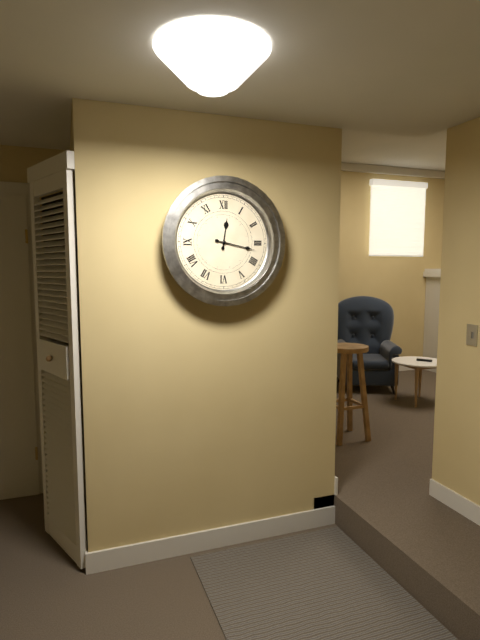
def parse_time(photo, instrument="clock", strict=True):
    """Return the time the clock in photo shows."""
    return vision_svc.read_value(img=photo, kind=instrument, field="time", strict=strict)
12:17
